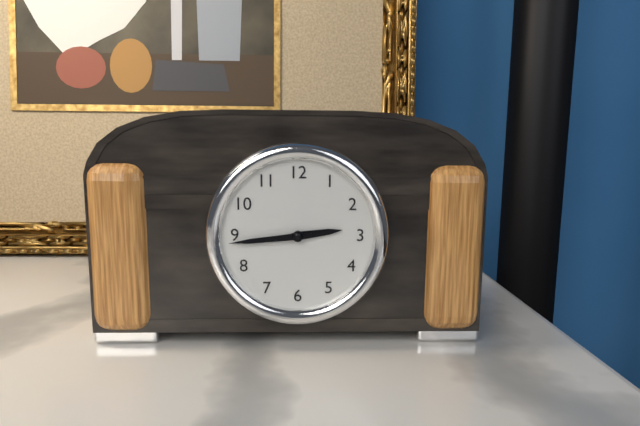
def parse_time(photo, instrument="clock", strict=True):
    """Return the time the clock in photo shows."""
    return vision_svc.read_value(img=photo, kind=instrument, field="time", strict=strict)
2:44
